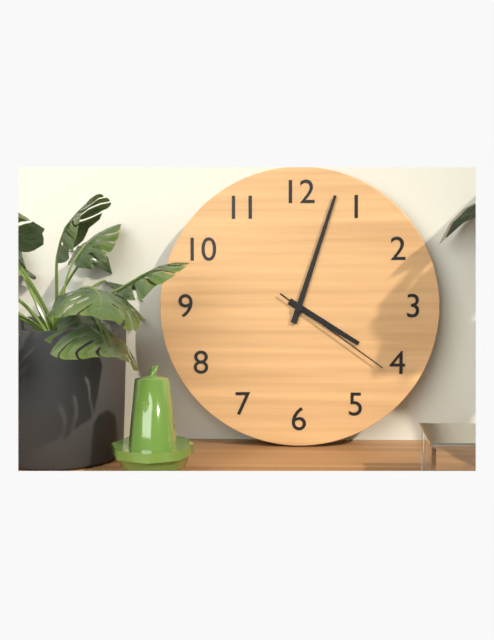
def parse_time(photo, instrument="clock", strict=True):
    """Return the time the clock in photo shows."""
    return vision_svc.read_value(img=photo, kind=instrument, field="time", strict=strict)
4:03:21
